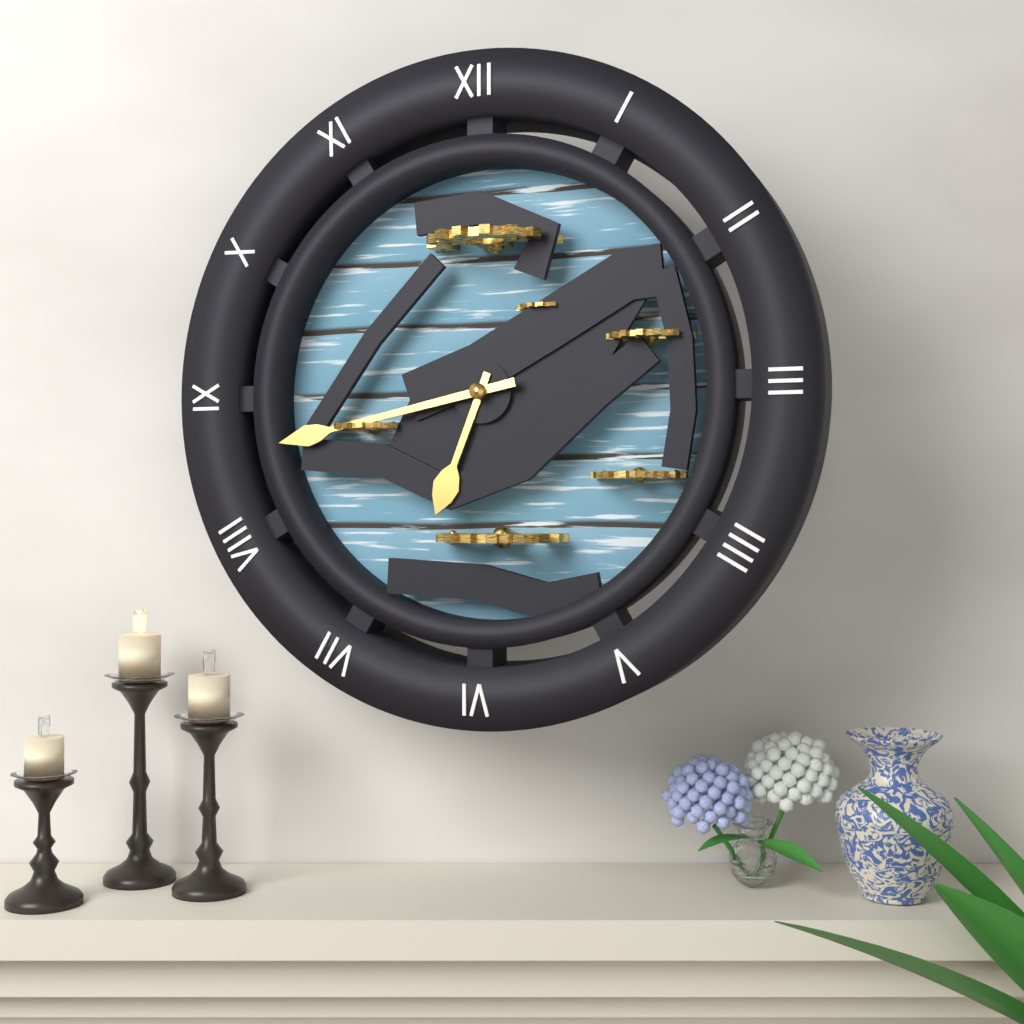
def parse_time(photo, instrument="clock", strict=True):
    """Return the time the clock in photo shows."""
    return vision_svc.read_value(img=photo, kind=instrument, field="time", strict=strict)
6:43
